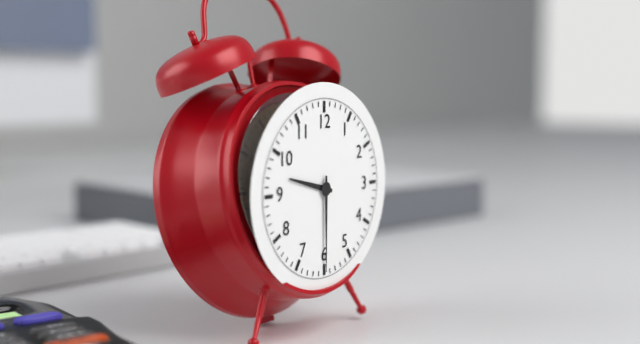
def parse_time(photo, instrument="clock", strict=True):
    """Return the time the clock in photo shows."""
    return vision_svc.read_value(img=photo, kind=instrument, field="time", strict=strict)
9:30
